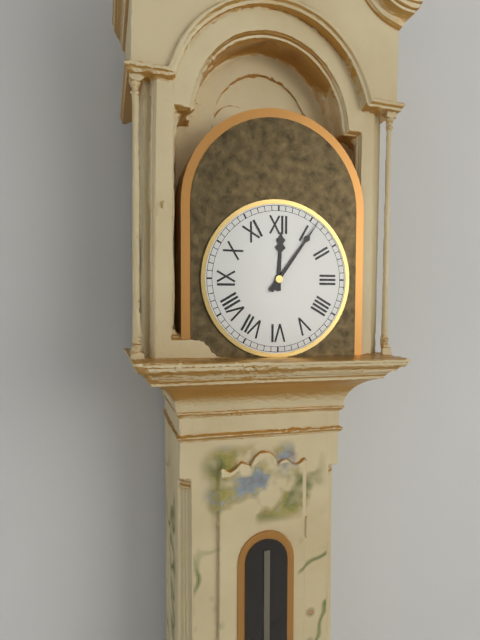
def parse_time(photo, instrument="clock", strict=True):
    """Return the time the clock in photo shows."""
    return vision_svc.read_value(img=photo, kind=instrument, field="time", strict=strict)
12:06
